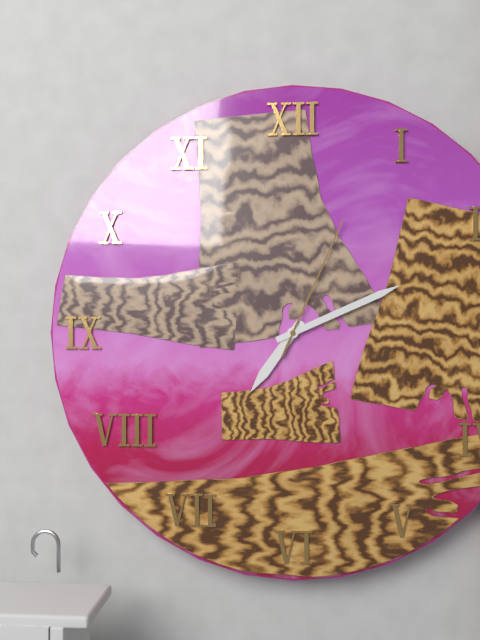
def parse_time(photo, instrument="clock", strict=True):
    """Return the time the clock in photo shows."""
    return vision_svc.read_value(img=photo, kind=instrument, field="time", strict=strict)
7:11:04
